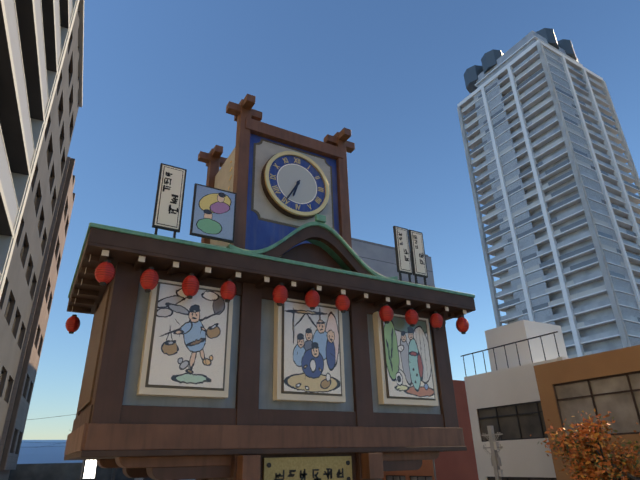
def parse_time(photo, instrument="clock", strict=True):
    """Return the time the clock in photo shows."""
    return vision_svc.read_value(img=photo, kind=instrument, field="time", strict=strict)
6:35
